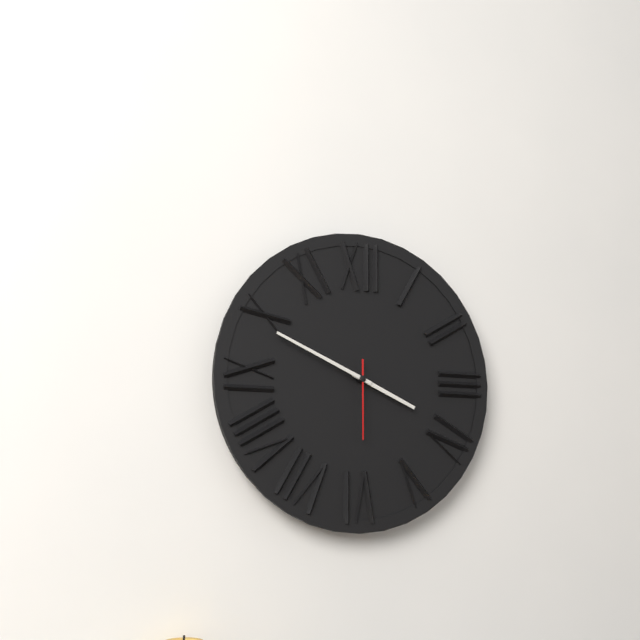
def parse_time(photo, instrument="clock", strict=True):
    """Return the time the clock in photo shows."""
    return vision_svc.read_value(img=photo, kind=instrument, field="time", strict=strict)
3:49:30
